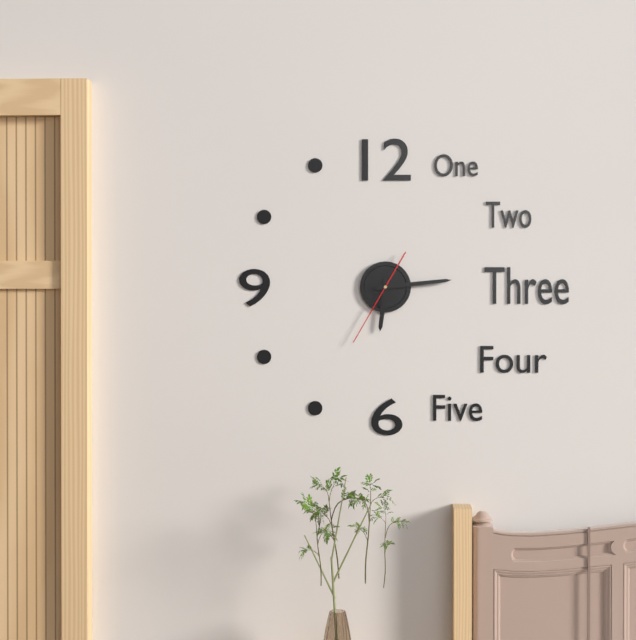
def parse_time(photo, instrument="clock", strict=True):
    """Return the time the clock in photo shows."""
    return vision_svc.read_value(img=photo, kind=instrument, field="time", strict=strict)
6:14:35
